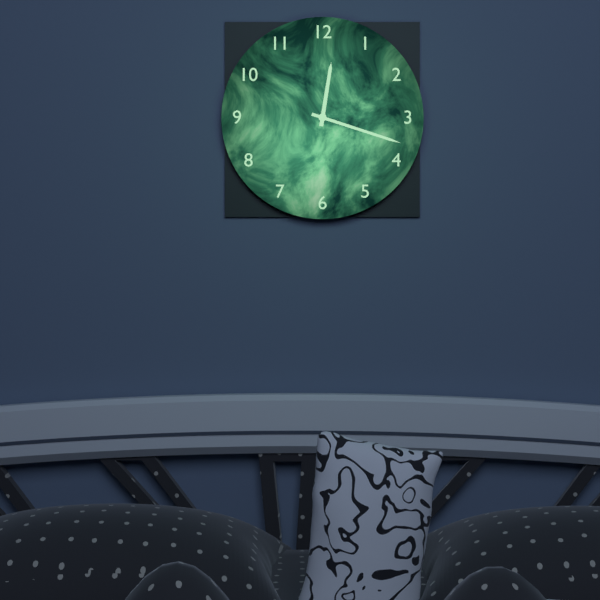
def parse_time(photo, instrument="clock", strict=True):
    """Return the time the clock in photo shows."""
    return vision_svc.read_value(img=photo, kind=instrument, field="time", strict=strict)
12:18
